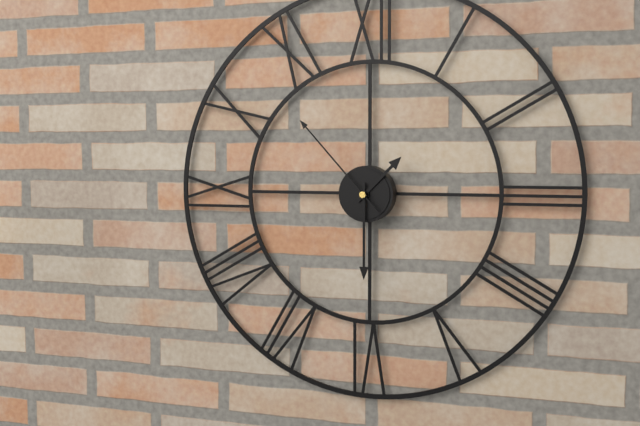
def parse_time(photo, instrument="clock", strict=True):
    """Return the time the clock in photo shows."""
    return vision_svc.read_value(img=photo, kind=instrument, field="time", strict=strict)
1:30:53
